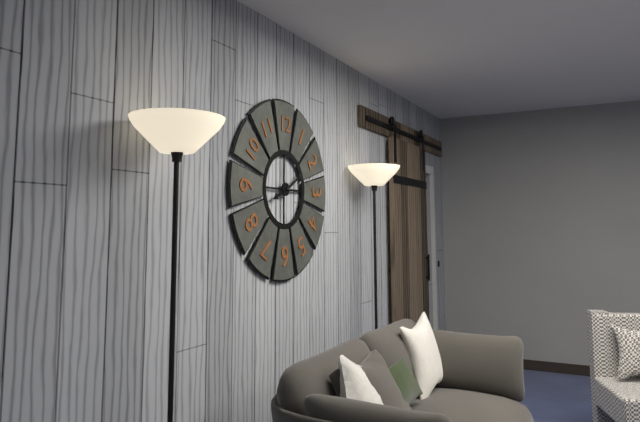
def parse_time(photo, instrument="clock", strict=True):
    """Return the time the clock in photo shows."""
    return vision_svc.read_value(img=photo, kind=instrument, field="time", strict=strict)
8:10
